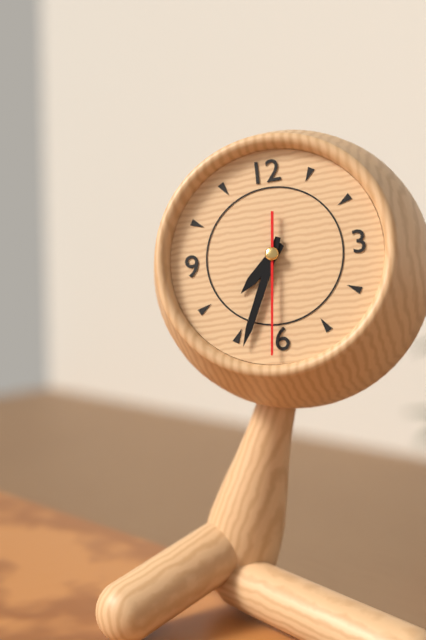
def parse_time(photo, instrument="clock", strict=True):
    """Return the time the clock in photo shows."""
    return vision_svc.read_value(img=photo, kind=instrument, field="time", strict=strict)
7:34:31
